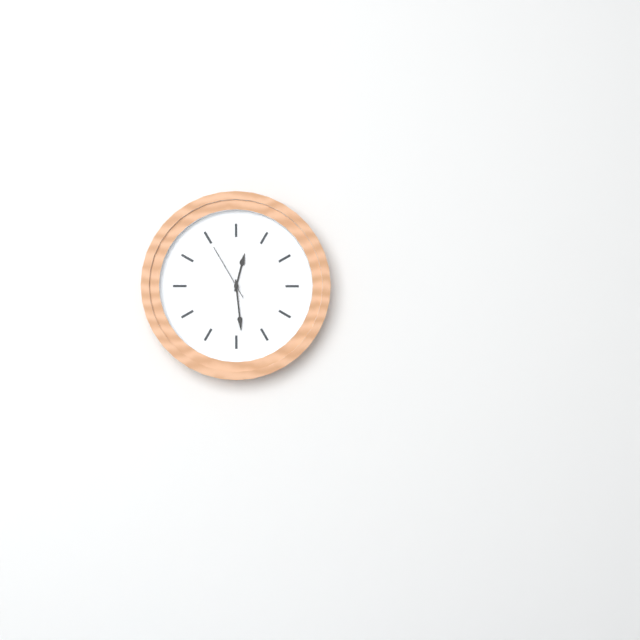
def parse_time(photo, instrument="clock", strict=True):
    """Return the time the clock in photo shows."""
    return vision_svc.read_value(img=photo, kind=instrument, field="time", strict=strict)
12:29:55
